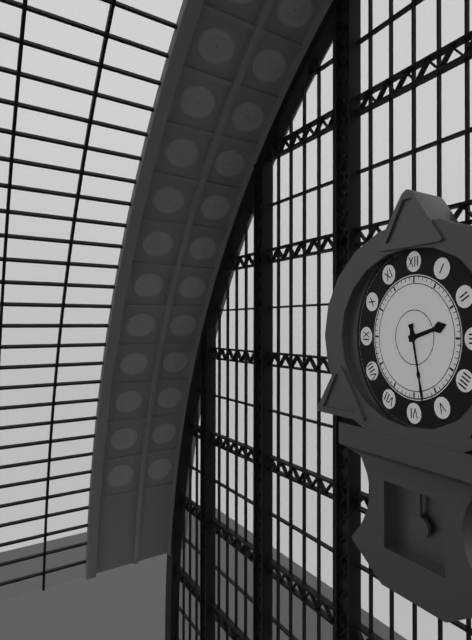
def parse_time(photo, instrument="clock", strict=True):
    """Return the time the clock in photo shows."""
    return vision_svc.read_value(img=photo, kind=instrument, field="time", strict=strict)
2:28
